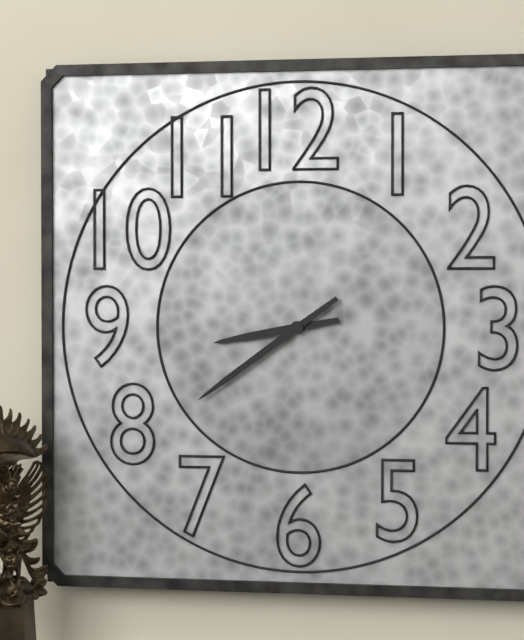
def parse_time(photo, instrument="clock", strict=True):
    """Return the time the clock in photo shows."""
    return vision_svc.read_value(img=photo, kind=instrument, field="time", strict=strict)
8:39
